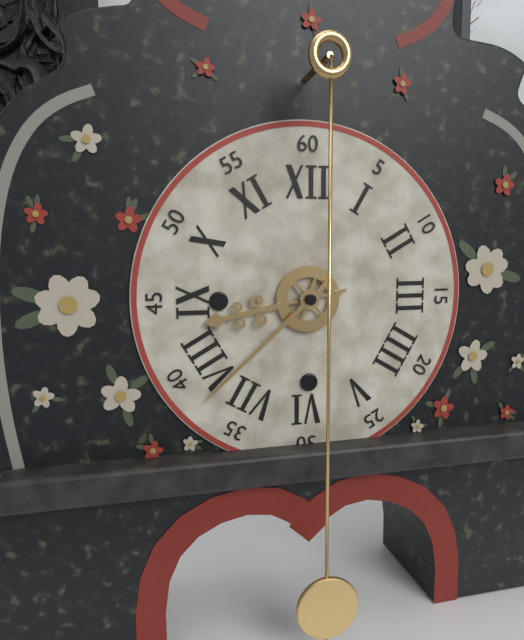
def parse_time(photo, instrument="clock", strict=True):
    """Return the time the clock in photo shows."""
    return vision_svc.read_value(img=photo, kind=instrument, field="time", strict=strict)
8:38
